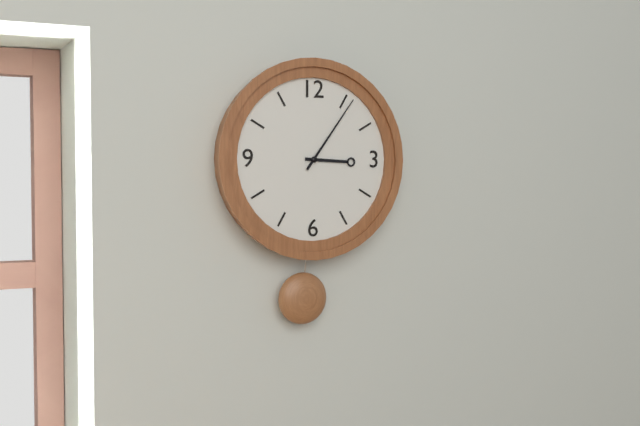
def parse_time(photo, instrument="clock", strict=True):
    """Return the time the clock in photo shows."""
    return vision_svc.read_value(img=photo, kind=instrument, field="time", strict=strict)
3:06
